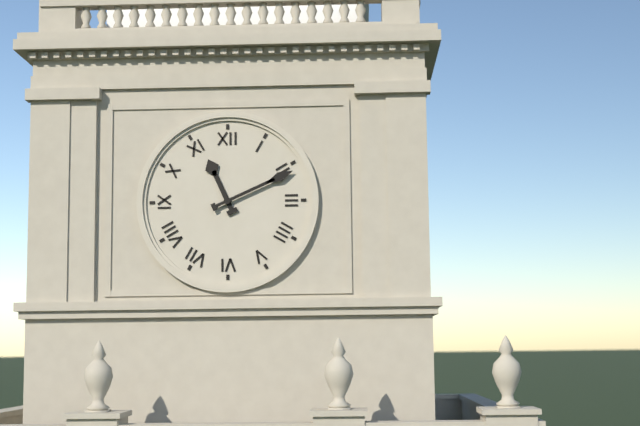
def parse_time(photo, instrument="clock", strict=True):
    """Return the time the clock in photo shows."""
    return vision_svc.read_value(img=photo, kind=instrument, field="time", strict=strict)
11:11
